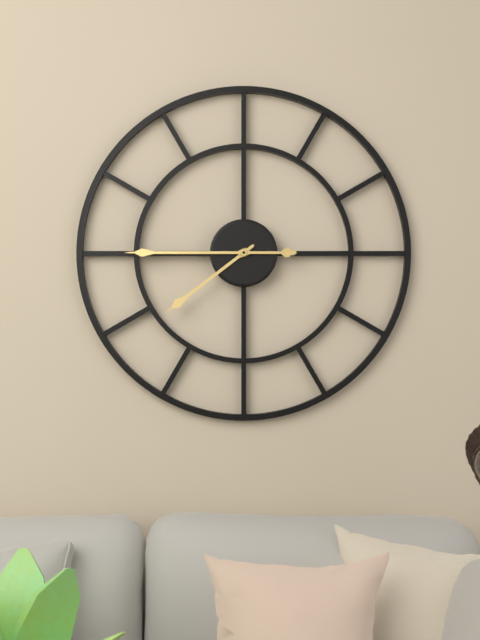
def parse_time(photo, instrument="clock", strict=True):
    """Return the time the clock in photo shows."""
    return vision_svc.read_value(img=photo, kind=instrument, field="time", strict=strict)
7:45
